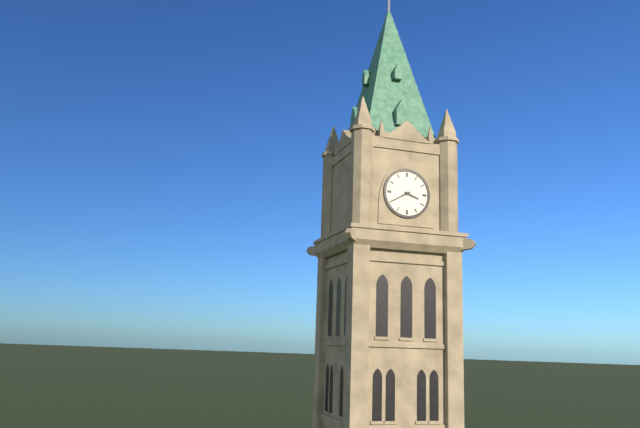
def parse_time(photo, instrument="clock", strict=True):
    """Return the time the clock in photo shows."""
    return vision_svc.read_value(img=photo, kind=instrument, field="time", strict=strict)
3:40
